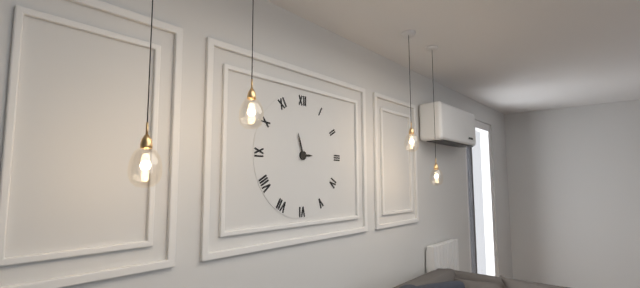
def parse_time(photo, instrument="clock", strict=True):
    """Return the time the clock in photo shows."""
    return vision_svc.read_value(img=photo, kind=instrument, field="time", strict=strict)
2:57
